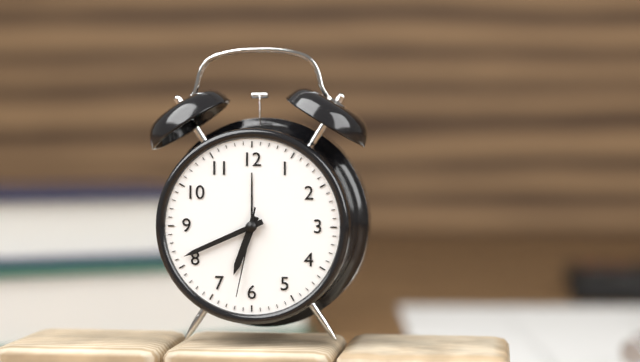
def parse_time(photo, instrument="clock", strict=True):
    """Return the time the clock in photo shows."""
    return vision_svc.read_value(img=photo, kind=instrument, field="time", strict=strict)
6:41:32
